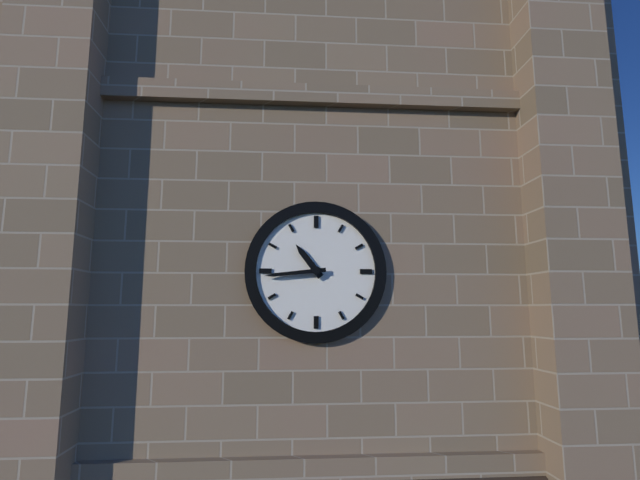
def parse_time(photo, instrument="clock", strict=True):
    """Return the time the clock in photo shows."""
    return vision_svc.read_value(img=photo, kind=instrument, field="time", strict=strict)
10:44
